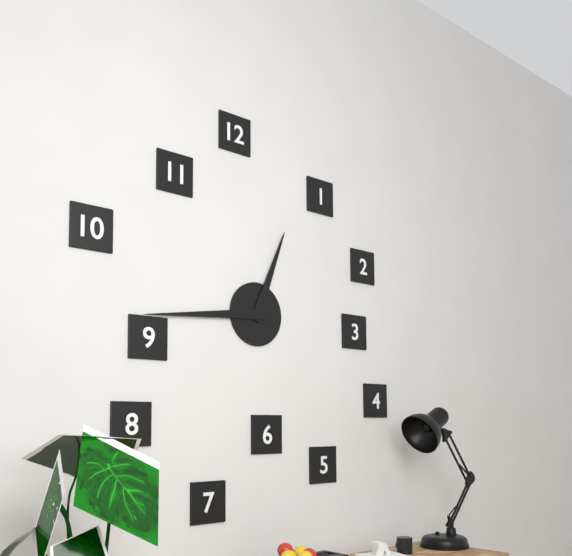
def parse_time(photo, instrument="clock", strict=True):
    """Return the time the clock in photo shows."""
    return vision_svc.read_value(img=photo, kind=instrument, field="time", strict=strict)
12:44
